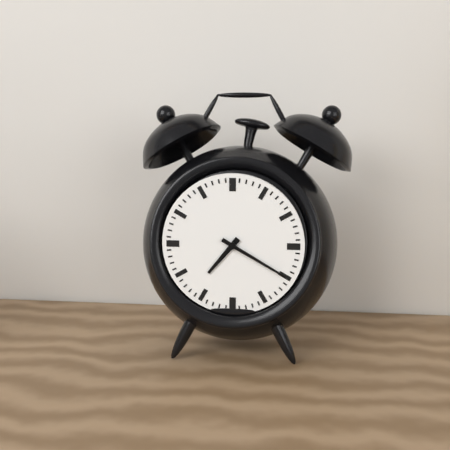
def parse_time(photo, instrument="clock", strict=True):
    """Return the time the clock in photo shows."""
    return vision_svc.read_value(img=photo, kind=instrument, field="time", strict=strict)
7:20
